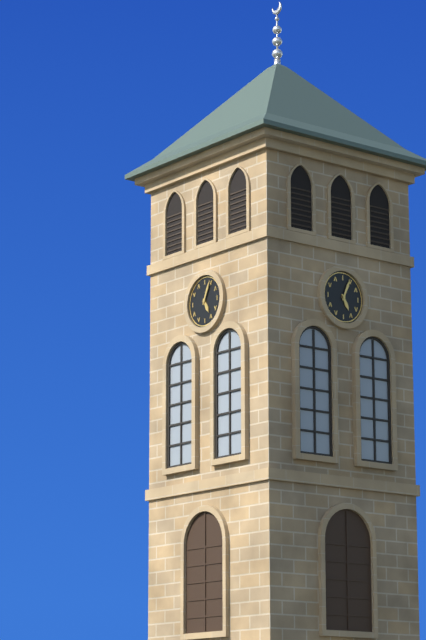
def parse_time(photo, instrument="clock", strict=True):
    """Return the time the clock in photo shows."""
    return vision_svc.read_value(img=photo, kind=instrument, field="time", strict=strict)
5:04
